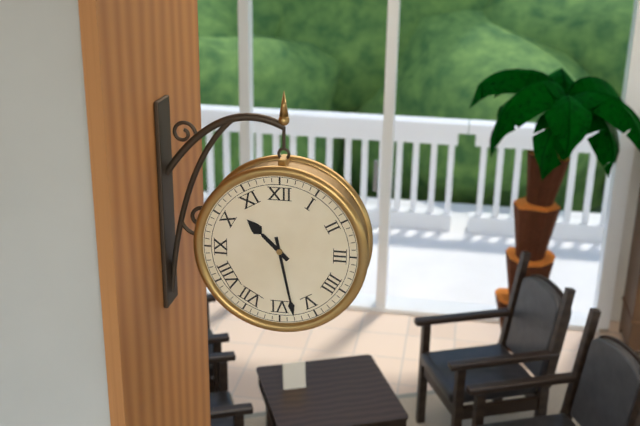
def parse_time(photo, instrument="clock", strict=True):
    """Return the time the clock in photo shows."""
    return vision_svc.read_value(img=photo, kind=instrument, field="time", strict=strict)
10:28
